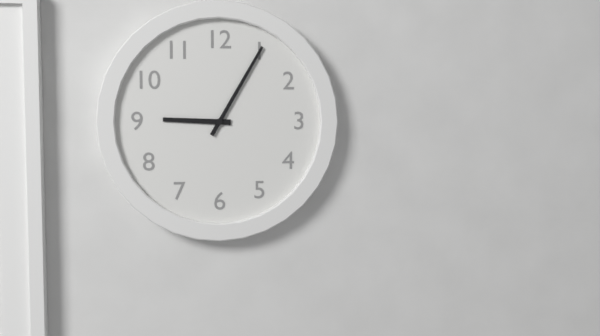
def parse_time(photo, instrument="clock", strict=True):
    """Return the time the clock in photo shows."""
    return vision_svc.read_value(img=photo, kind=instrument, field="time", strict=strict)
9:05
